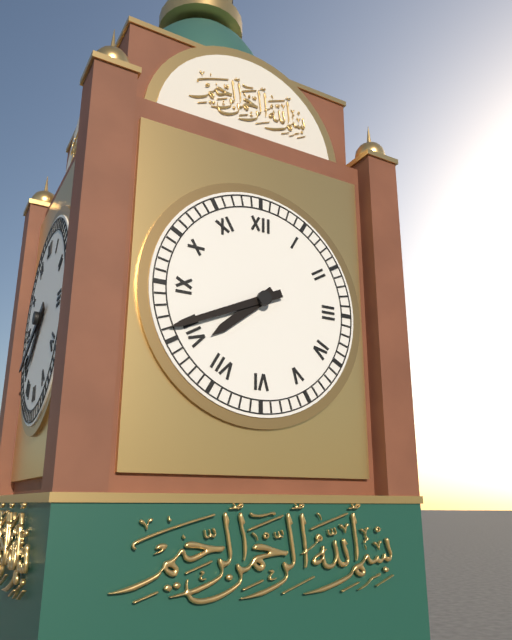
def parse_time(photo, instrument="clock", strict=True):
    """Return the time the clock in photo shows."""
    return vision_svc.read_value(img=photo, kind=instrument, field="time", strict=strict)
7:41
